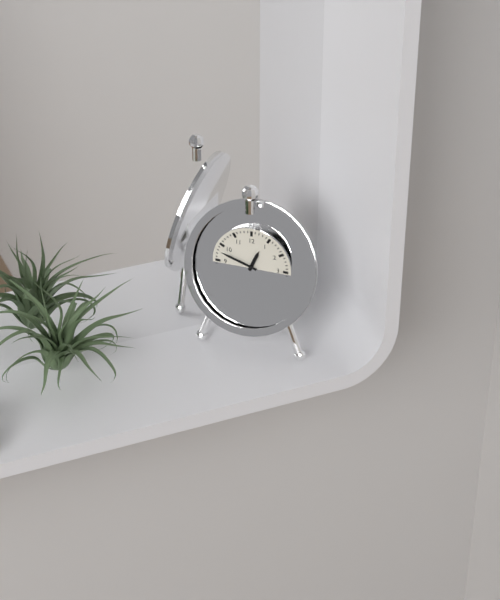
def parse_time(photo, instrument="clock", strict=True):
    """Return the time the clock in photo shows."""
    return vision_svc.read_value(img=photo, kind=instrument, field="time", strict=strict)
12:48
